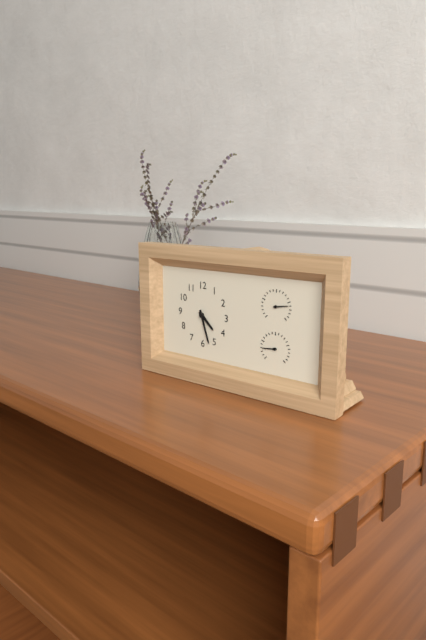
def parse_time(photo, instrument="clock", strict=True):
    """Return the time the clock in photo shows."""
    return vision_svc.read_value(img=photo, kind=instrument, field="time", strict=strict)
4:27
